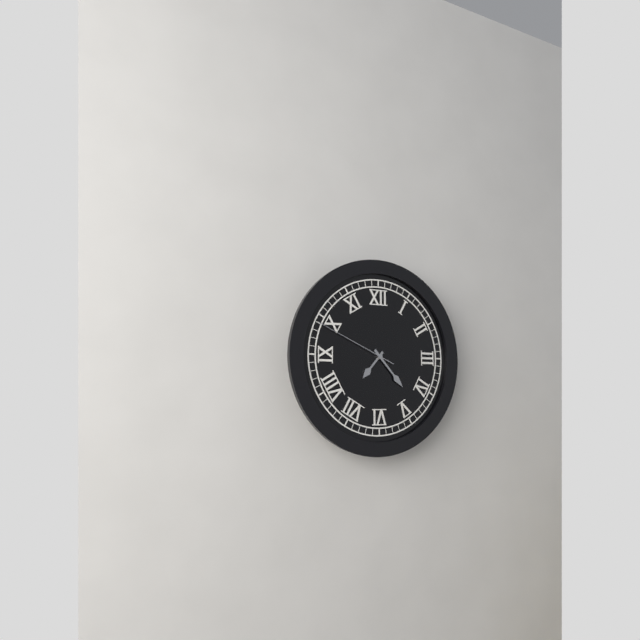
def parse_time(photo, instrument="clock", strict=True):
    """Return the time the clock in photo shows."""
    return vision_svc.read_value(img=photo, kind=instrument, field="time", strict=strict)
7:23:49
